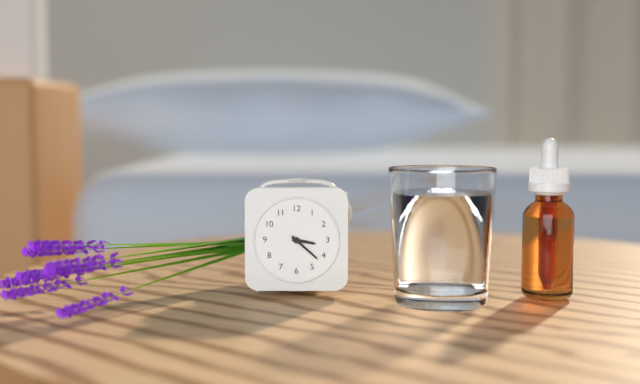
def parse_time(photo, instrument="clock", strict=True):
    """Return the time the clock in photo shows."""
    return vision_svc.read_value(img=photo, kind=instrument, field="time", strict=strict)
3:22
